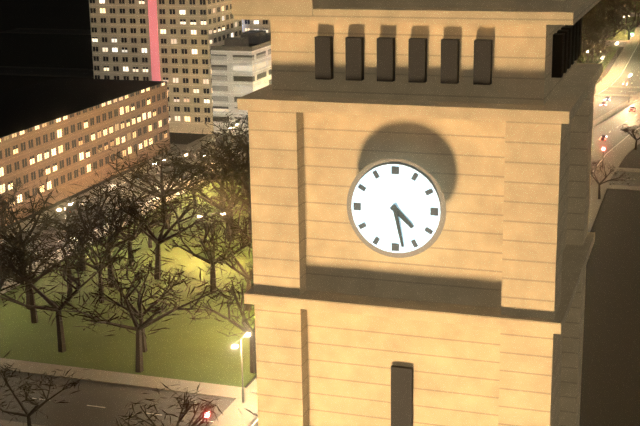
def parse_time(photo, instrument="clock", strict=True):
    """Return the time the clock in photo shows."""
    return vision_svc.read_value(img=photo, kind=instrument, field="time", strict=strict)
4:28
